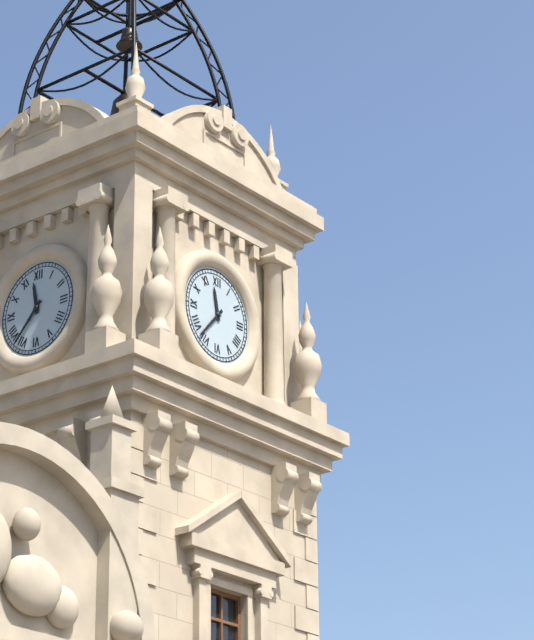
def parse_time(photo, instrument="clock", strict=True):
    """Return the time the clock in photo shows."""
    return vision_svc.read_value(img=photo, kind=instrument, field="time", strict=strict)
11:37
